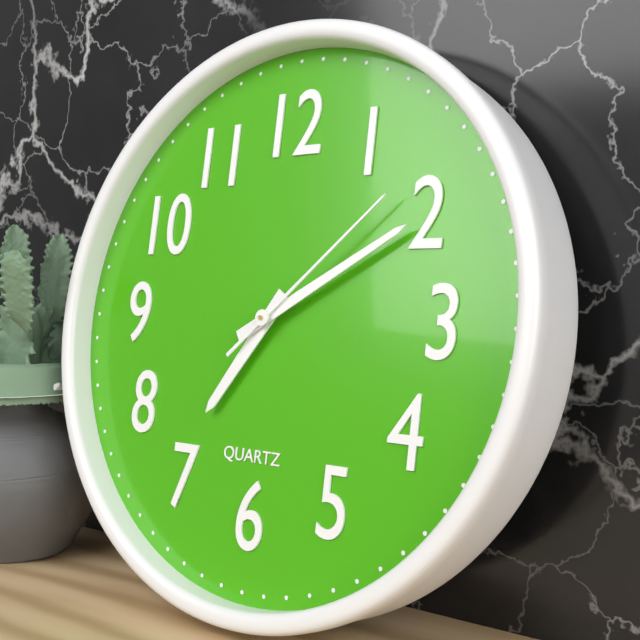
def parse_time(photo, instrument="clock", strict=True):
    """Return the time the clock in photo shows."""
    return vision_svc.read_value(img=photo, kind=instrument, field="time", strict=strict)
7:10:08
